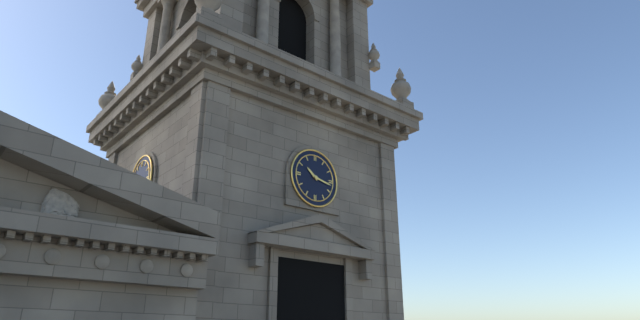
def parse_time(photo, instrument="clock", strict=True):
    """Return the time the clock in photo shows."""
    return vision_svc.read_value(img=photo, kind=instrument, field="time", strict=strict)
10:17
